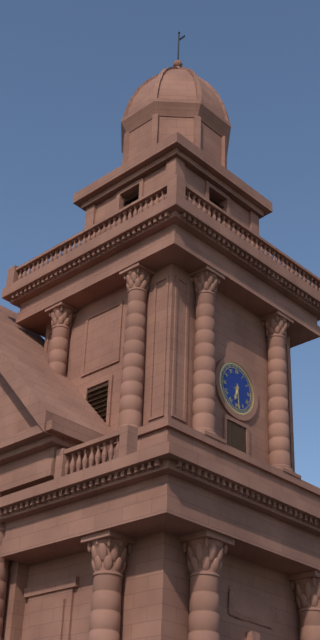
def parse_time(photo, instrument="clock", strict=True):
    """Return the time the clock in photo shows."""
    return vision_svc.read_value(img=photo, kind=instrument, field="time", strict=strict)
6:29
